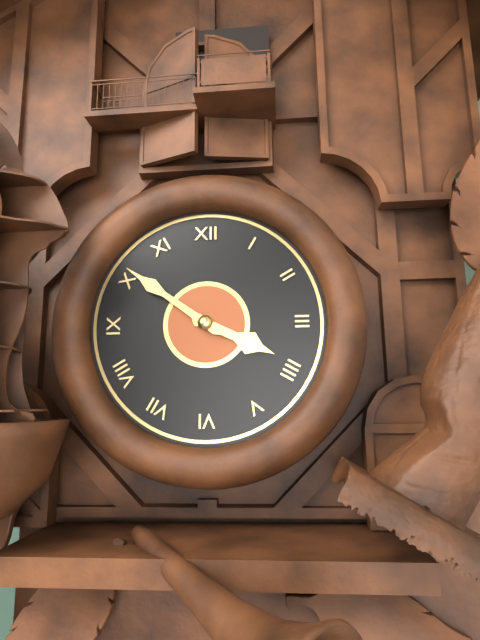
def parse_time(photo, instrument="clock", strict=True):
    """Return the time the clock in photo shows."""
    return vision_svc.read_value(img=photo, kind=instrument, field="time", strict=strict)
3:51
